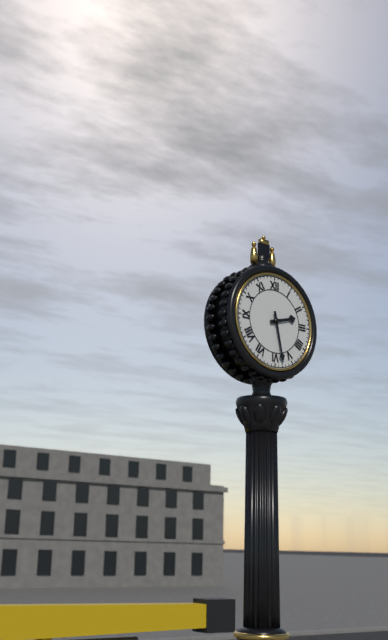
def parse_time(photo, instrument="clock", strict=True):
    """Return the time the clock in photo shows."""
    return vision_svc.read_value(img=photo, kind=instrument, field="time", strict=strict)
2:28
